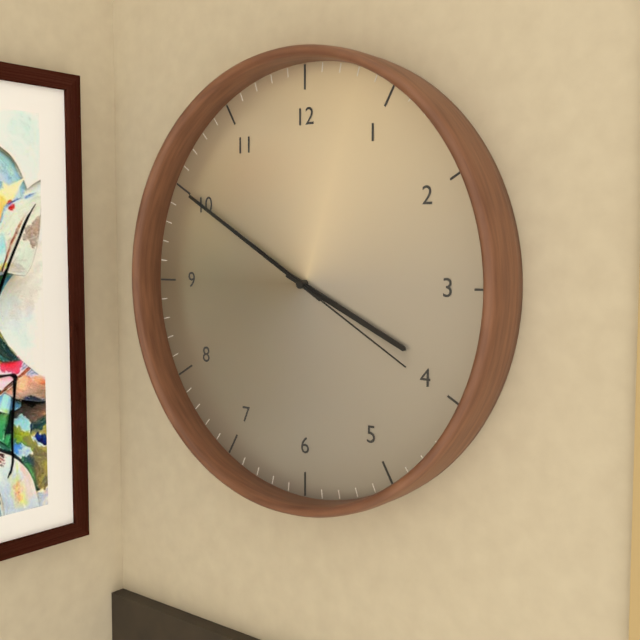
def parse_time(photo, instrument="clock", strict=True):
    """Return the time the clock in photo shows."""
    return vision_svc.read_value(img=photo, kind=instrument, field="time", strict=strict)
3:50:20
